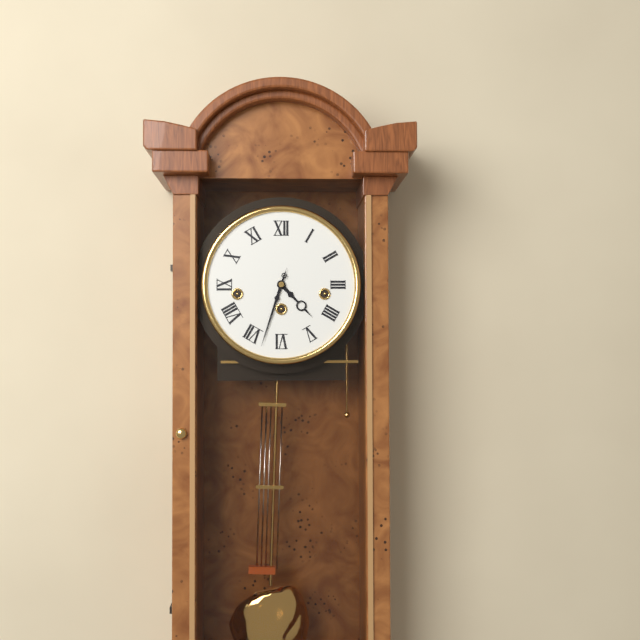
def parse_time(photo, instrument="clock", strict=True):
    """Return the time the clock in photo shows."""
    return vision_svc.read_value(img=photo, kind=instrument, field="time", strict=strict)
4:33
